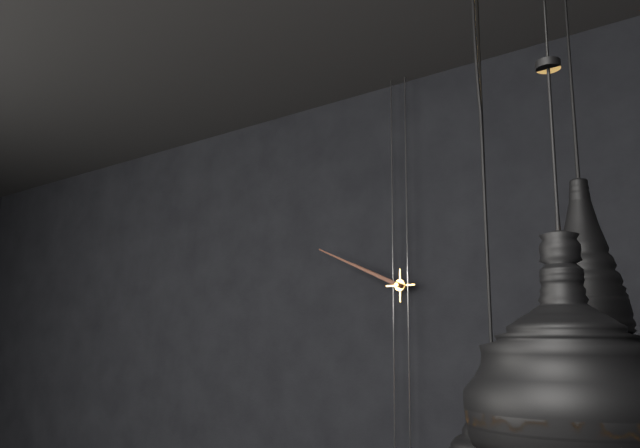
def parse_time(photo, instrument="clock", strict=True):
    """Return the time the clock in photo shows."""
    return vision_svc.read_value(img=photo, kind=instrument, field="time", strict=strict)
9:49
